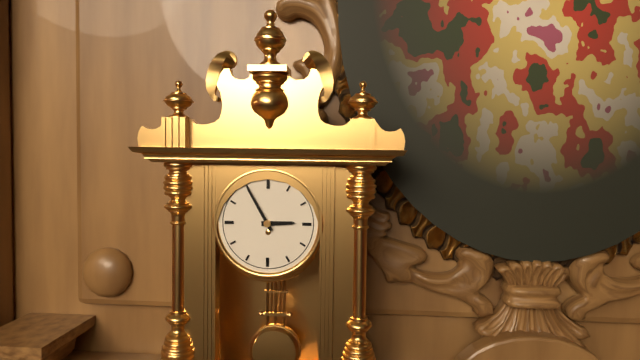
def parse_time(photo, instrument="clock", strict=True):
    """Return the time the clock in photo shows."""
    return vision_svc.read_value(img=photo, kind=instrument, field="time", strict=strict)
2:55
